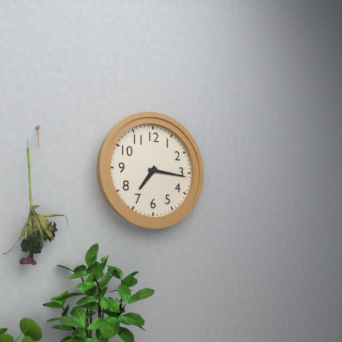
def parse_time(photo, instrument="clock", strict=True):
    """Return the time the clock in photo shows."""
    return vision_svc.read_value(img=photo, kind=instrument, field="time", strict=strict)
7:16
